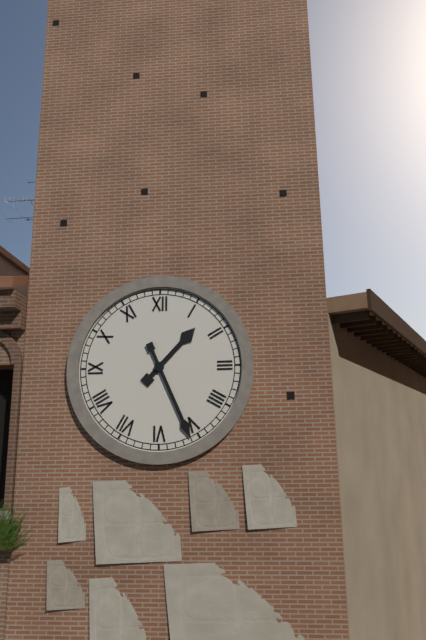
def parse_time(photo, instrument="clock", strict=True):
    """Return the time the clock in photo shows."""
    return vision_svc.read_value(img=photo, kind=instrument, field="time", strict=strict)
1:26
